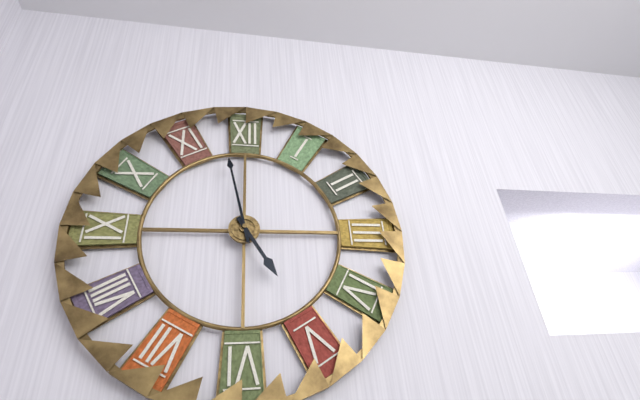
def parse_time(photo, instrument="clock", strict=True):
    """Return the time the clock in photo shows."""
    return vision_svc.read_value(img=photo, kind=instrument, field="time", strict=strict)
4:58
